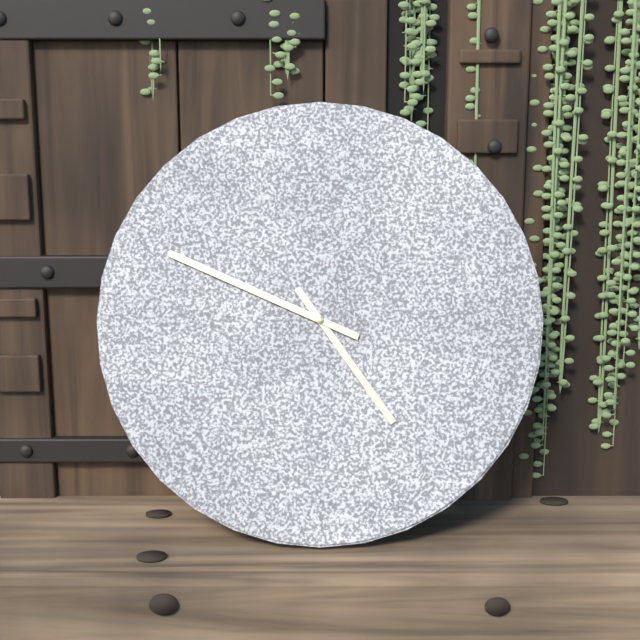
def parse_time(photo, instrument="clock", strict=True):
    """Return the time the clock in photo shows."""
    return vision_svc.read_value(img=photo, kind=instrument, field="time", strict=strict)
4:49
